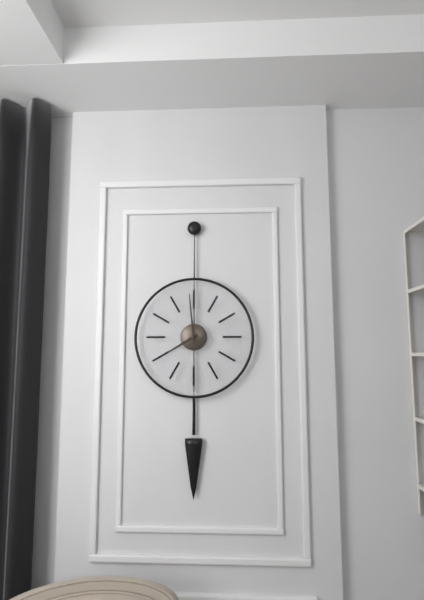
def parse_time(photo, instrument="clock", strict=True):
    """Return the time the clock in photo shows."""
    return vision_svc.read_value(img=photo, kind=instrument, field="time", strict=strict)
7:59
